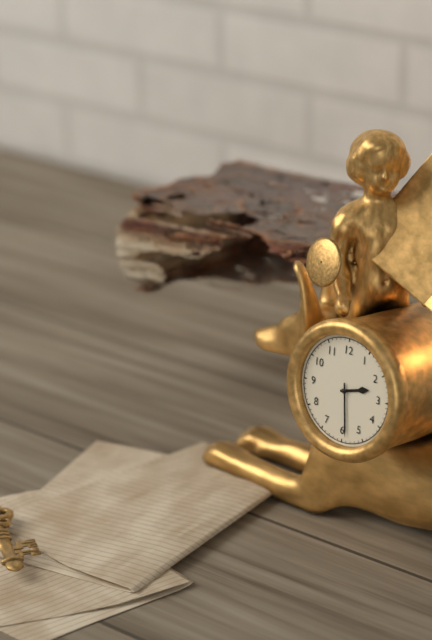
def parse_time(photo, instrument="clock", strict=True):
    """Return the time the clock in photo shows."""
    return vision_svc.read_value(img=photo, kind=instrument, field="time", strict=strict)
2:29
